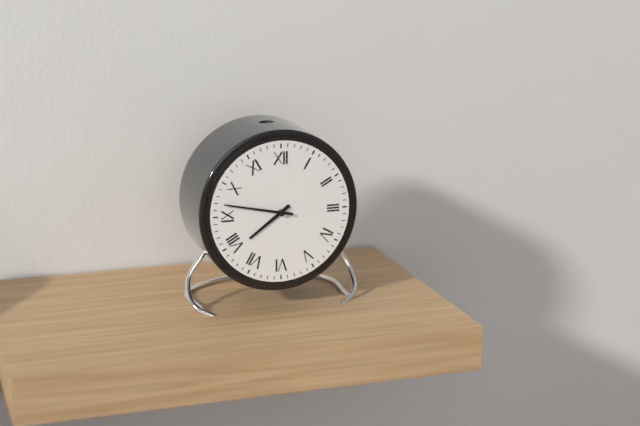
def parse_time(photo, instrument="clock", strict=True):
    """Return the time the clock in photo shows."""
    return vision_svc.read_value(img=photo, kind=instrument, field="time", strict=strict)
7:47
